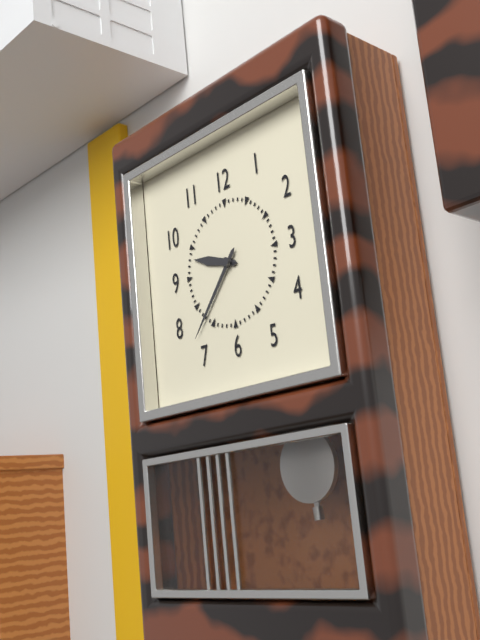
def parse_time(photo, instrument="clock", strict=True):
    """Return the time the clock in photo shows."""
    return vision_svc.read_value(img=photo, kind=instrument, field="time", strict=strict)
9:37
